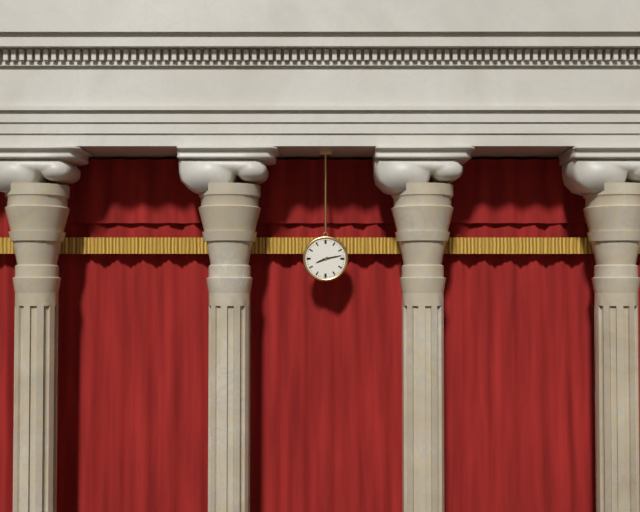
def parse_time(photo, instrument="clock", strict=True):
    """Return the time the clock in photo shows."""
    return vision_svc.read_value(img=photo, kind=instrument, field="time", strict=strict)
8:13
